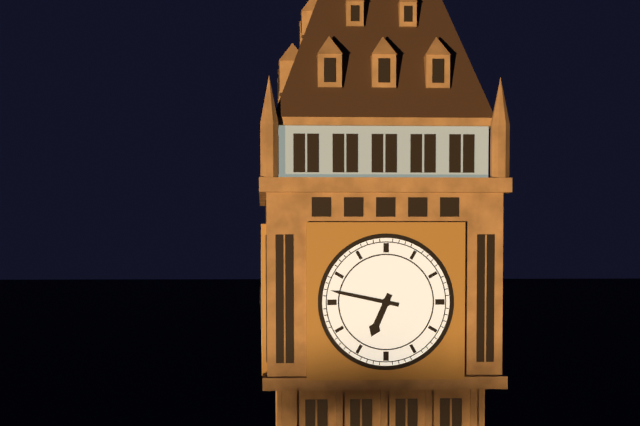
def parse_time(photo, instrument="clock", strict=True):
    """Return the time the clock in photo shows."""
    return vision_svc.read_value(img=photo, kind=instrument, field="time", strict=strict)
6:47
